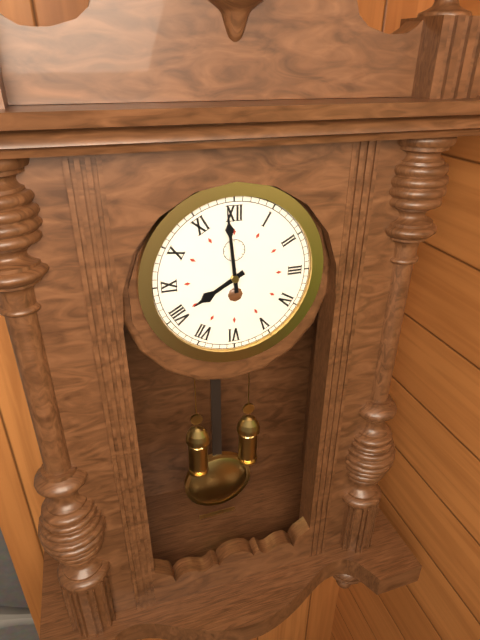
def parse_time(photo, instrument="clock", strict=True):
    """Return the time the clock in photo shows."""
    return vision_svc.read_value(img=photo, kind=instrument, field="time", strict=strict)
7:59
